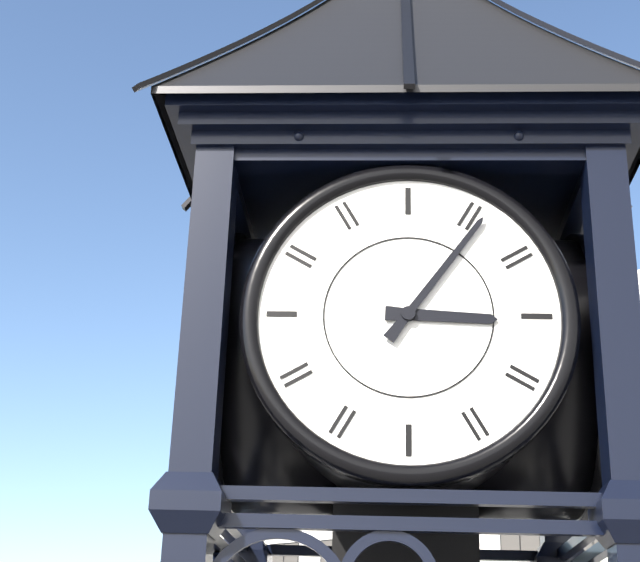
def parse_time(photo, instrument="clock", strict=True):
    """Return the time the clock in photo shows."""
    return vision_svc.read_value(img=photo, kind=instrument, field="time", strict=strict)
3:06
